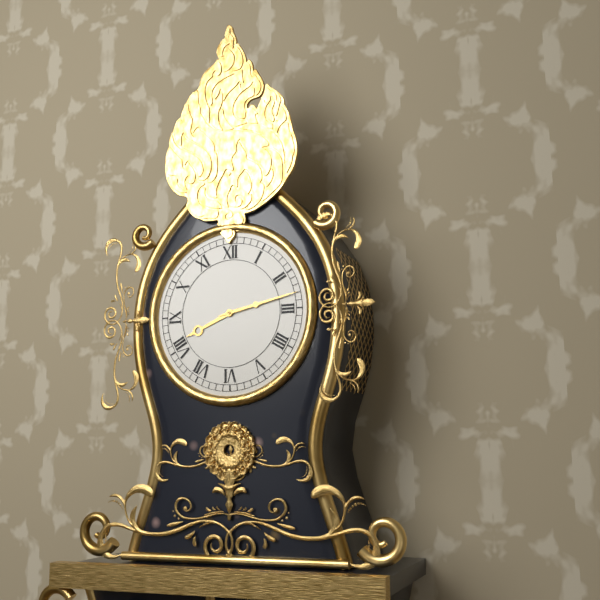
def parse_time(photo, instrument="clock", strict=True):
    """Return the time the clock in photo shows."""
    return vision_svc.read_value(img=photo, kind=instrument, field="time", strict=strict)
8:13
